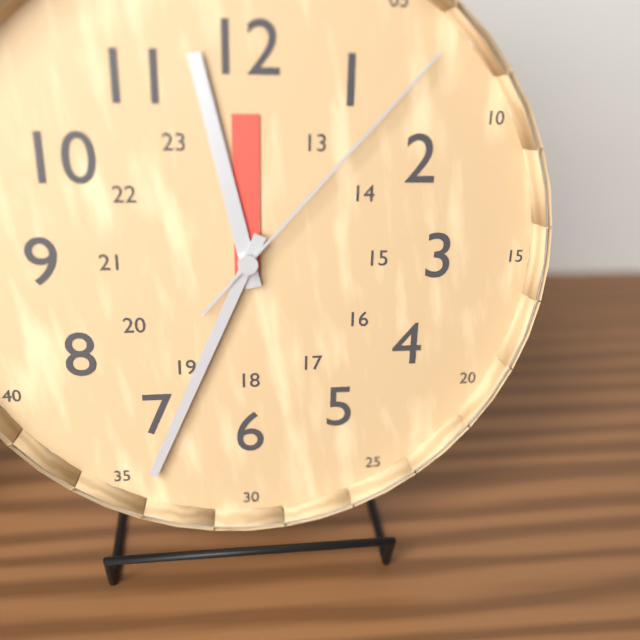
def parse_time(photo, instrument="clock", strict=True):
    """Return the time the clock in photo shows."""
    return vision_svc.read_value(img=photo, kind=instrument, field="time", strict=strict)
11:34:07
